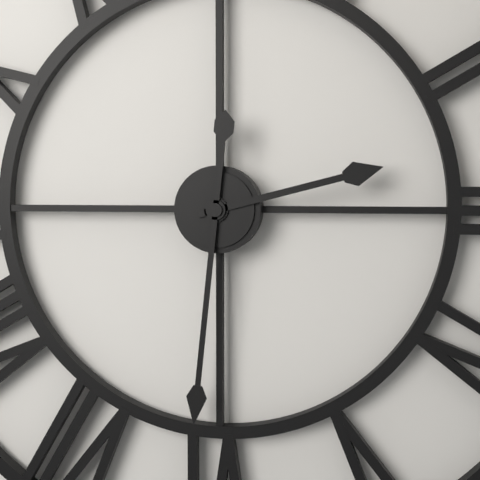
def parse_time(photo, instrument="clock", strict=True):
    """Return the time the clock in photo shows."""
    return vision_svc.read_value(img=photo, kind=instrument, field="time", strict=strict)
2:31
